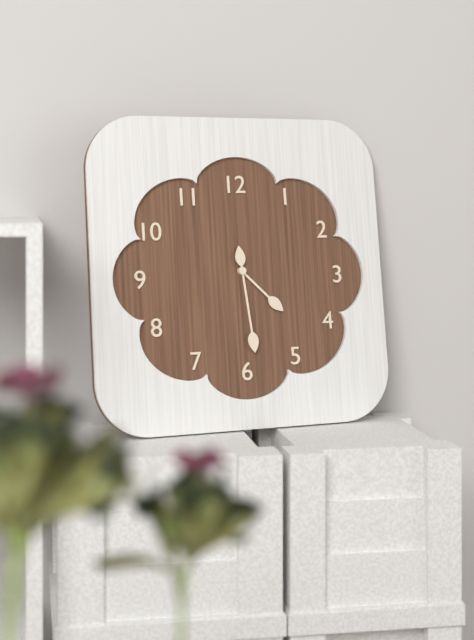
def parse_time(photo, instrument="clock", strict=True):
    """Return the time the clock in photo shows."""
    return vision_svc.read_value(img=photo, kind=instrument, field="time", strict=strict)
4:29
